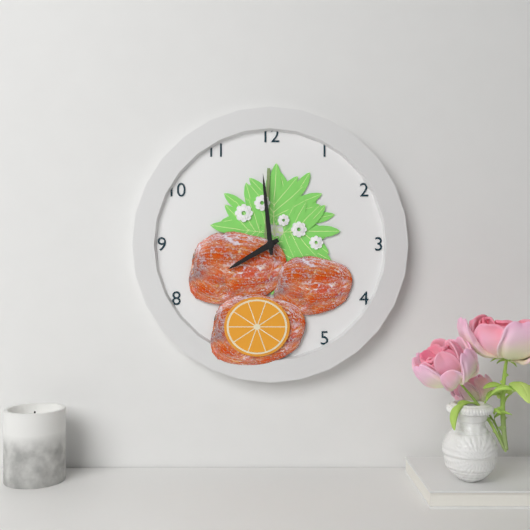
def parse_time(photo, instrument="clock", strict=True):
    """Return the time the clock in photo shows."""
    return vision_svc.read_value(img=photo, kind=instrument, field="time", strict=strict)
7:59
